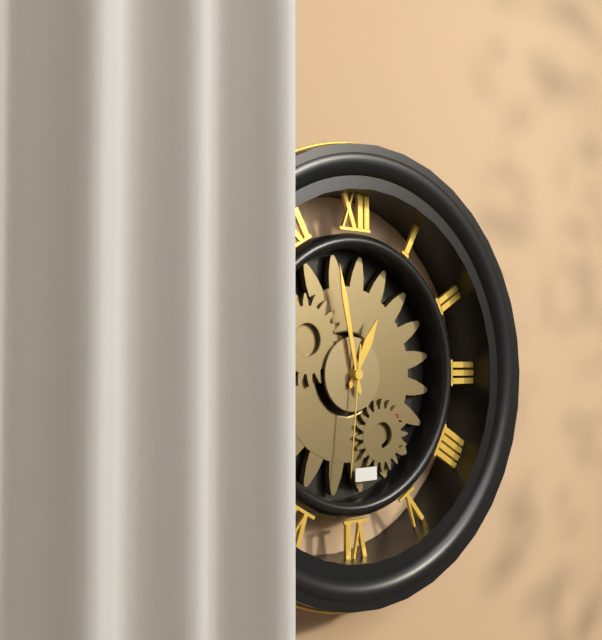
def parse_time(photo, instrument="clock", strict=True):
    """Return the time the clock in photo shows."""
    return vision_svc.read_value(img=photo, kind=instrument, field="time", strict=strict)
12:58:31
